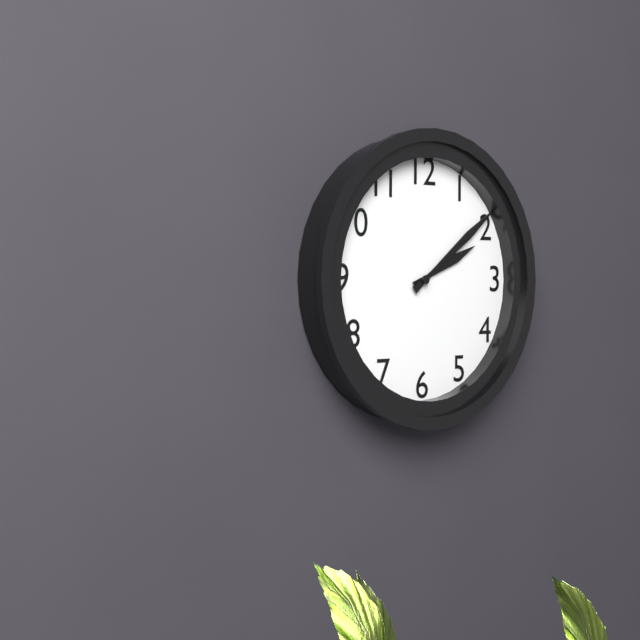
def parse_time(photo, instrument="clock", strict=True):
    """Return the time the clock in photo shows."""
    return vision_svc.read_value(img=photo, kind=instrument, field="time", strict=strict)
2:09
